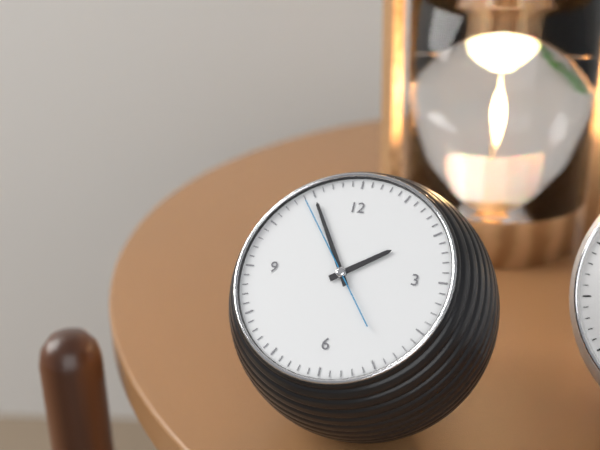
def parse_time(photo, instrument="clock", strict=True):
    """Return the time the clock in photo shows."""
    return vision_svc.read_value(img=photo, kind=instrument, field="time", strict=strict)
1:55:54
